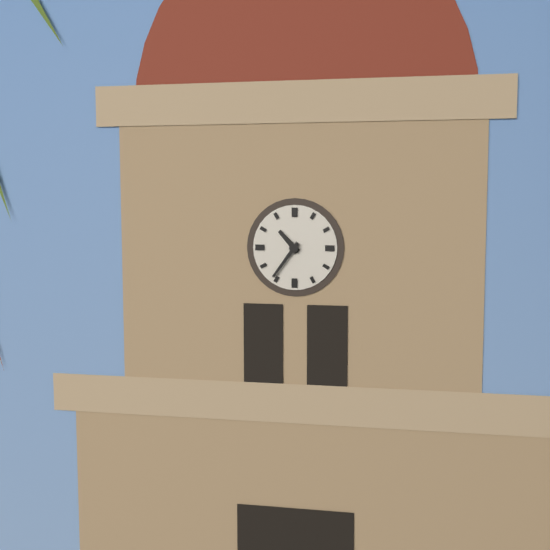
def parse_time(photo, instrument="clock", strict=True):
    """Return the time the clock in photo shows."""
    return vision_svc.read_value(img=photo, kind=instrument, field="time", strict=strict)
10:36
